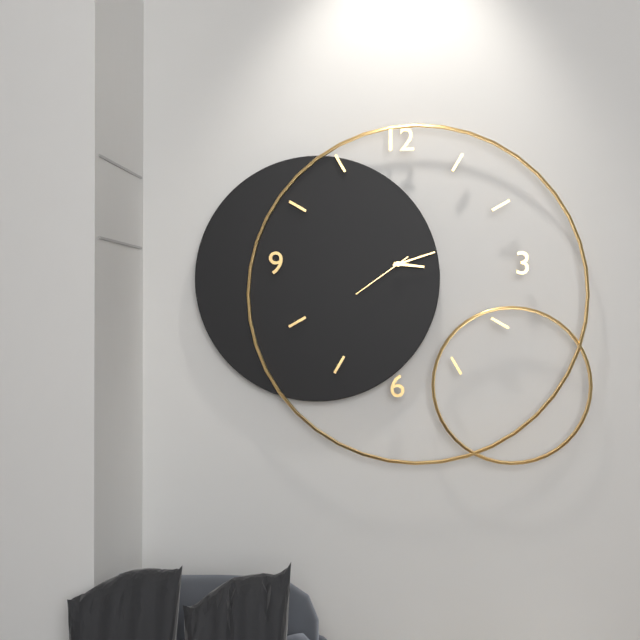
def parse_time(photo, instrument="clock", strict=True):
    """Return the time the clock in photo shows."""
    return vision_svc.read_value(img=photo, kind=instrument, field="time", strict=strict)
3:12:39
